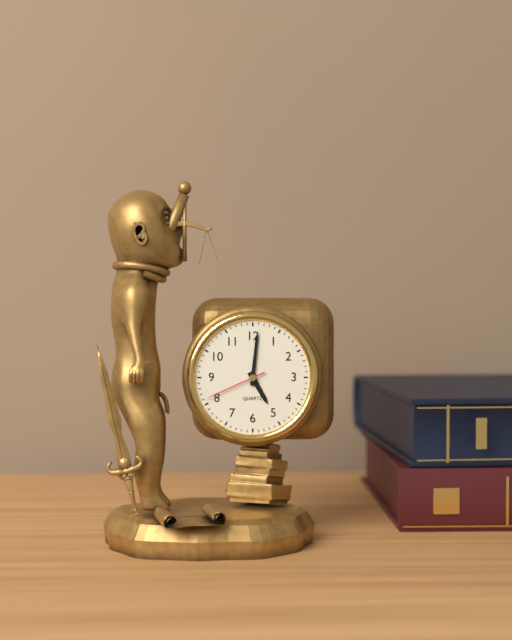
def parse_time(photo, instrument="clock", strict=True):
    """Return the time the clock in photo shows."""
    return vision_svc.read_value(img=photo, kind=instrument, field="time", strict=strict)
5:01:41
